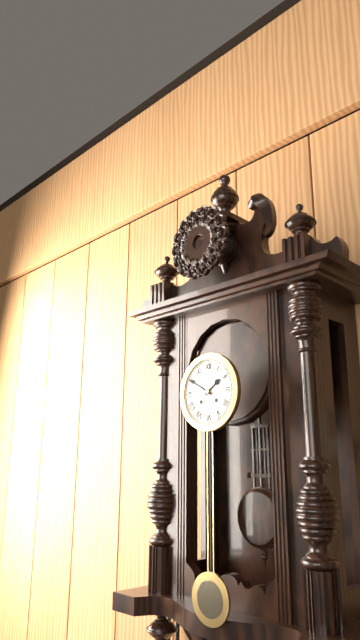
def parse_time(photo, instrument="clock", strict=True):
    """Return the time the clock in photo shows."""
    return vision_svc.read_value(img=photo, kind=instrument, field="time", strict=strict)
1:50
